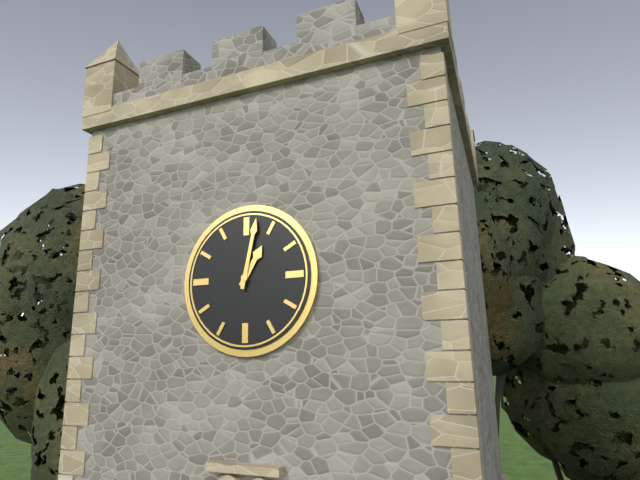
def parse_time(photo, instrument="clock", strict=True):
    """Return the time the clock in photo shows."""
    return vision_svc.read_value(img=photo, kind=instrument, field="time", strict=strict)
1:02
